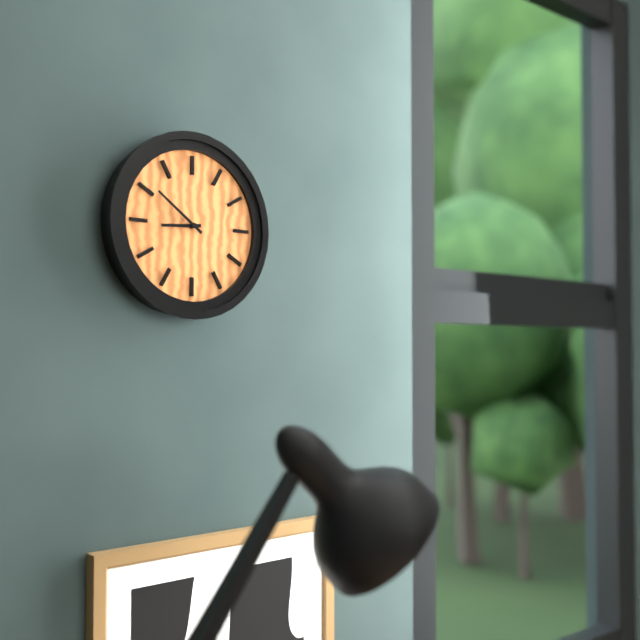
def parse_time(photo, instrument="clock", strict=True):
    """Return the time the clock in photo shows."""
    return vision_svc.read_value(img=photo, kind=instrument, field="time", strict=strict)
8:51
